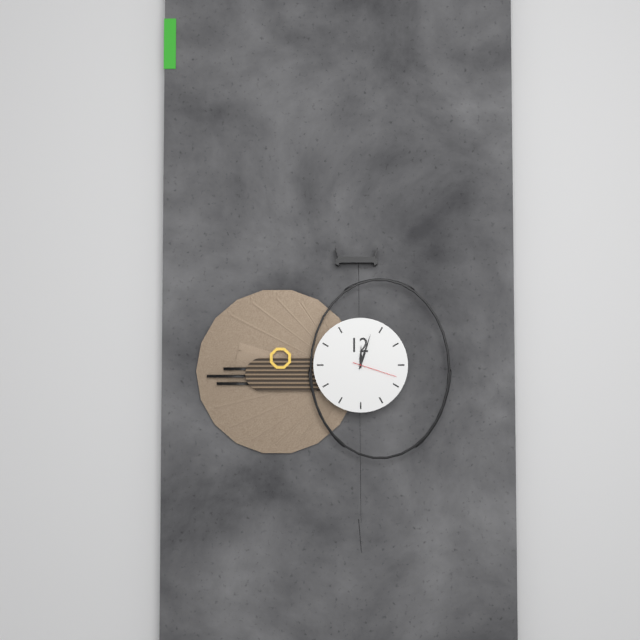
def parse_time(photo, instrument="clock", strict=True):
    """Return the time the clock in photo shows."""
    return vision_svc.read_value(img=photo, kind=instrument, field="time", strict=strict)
12:03
